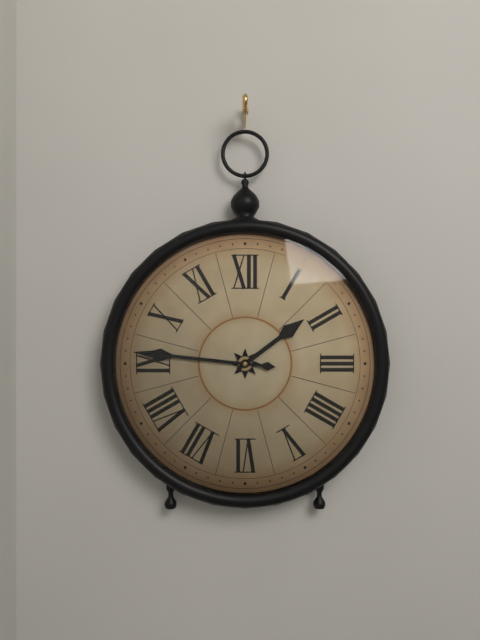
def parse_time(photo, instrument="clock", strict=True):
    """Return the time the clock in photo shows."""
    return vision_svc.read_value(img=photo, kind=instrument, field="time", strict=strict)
1:46
